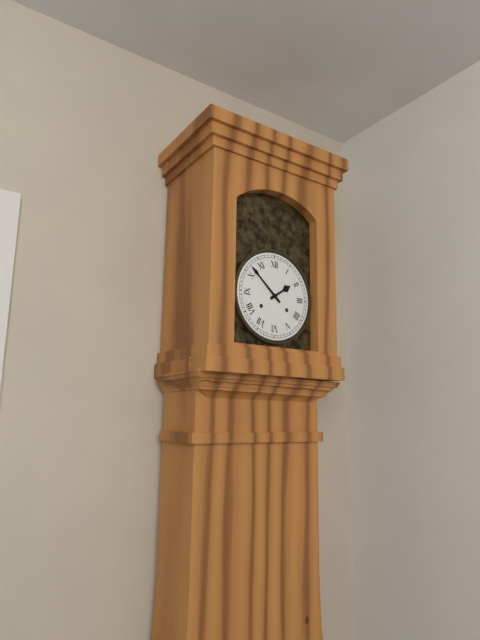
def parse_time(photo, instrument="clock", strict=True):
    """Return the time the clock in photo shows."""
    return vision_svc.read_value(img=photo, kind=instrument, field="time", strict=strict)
1:52
